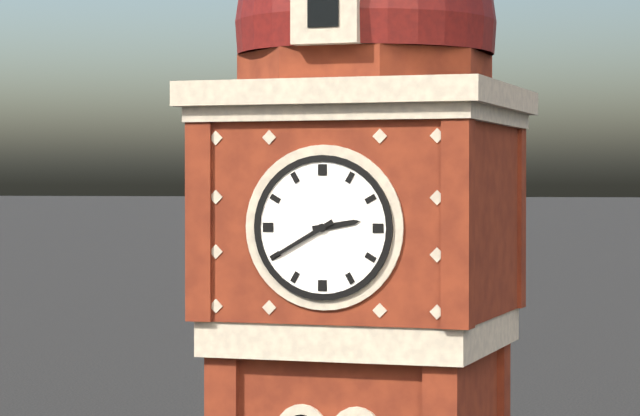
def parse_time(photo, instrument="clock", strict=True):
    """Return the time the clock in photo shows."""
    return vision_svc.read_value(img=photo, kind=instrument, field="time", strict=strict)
2:40
